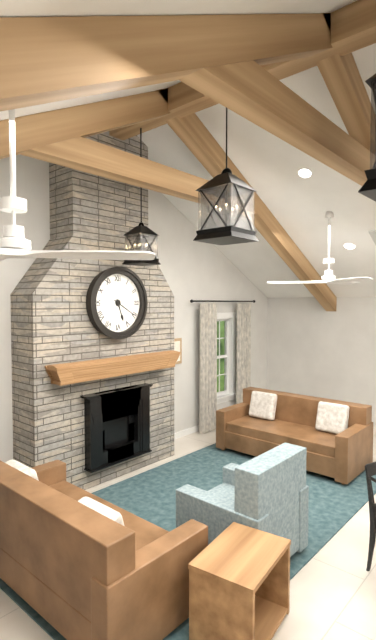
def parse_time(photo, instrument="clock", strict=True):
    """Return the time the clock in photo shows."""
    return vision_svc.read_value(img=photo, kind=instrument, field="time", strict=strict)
5:20
